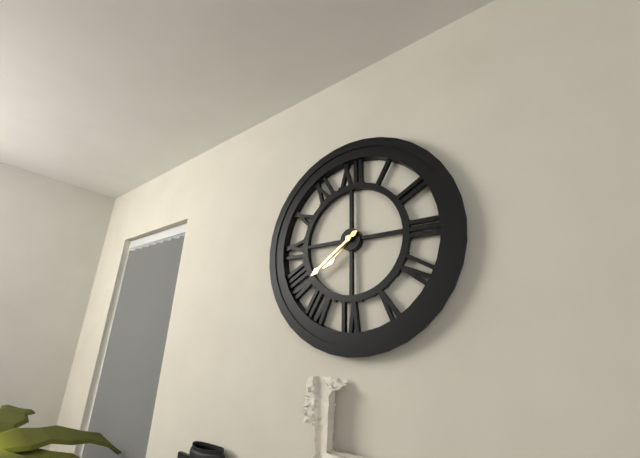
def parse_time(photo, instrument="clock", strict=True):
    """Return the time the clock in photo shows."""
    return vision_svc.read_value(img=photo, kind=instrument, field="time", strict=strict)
7:39
